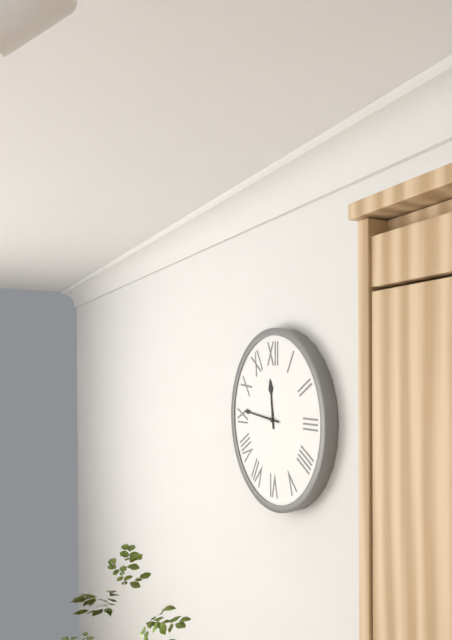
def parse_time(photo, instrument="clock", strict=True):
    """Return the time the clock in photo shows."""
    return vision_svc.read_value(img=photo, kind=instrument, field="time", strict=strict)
11:46
